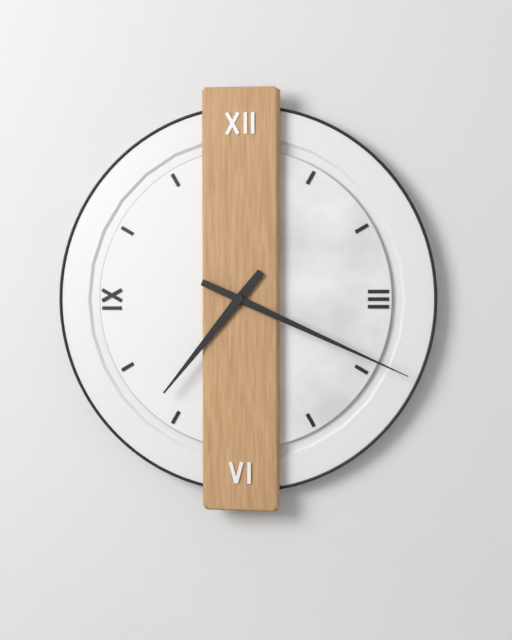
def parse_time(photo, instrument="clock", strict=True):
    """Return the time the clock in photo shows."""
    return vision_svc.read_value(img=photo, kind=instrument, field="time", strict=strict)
7:19
